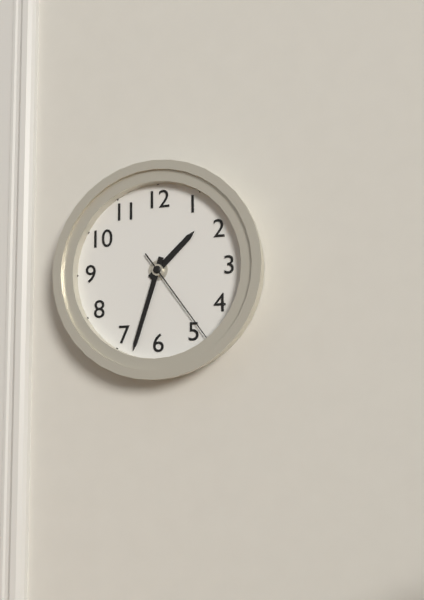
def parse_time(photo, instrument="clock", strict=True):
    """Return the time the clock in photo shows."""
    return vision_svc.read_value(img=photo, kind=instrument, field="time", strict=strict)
1:33:24
